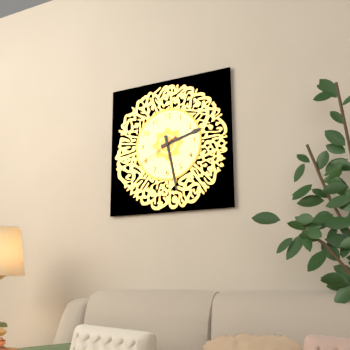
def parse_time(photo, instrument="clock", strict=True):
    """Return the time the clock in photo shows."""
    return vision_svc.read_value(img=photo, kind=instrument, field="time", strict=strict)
2:28:40
